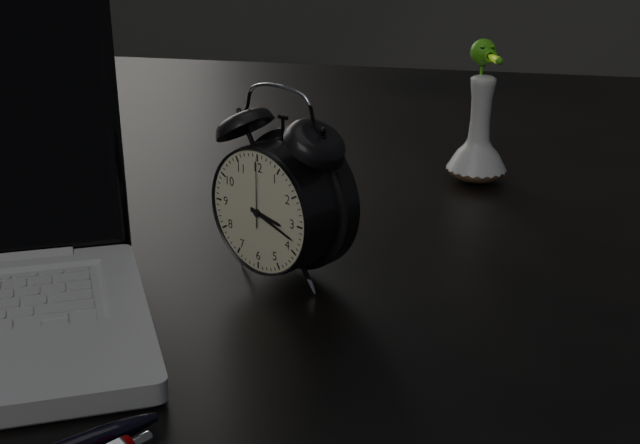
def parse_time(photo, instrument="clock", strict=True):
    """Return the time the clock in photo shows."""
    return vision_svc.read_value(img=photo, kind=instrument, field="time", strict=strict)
3:18:00
